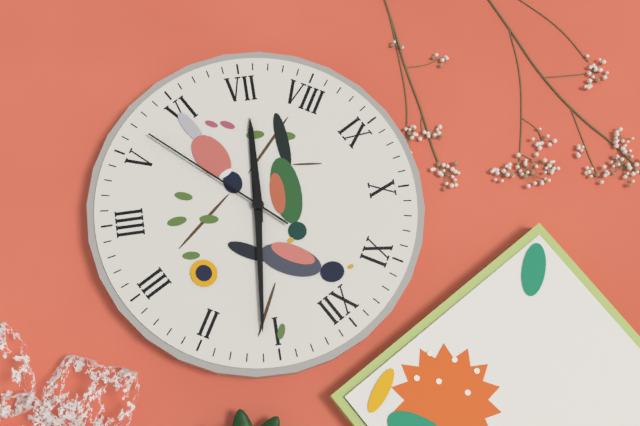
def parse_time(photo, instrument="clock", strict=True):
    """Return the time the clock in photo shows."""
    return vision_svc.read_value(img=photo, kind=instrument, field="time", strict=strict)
7:06:27
